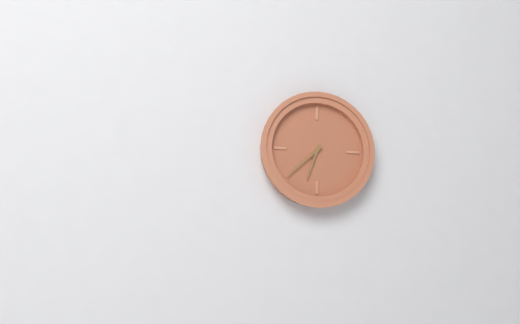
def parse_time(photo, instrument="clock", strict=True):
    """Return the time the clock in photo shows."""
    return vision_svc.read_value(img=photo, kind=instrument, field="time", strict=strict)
6:38
